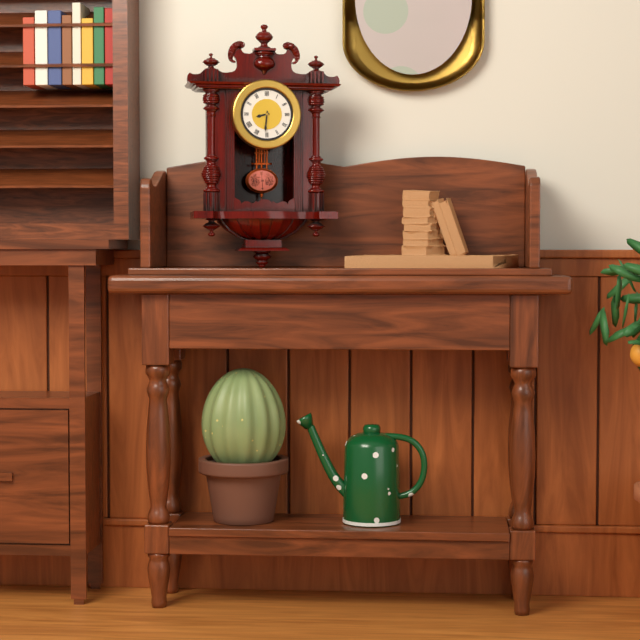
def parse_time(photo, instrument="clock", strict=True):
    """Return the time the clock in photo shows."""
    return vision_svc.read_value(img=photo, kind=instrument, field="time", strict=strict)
8:31
